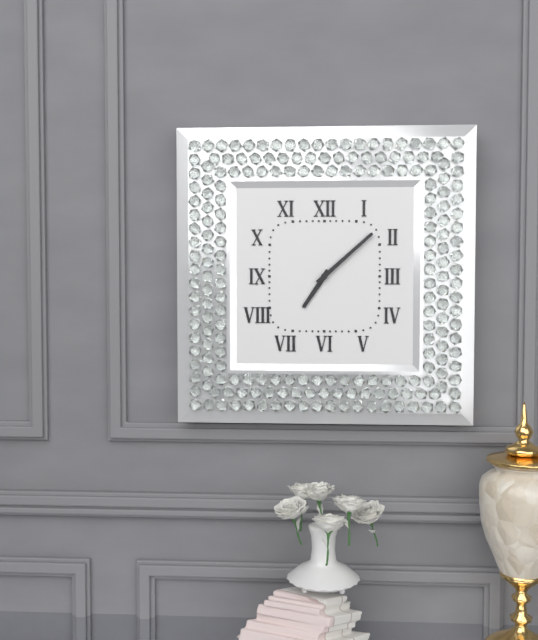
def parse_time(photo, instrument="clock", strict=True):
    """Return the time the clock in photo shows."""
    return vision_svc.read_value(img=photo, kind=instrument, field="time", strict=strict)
7:08
